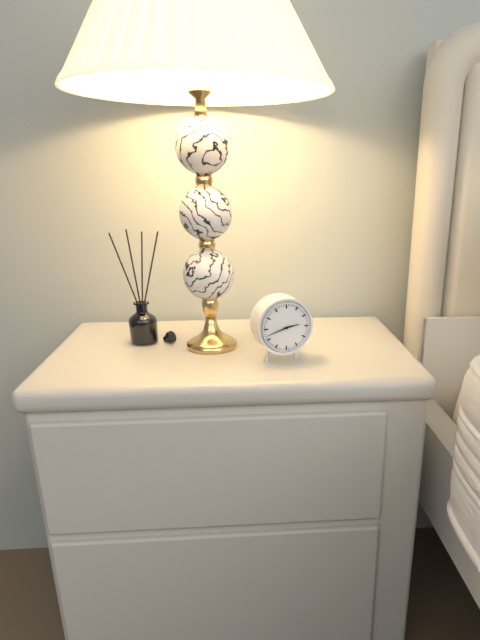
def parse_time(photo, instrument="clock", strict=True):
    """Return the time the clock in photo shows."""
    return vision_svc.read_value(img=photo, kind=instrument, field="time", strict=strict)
2:42
